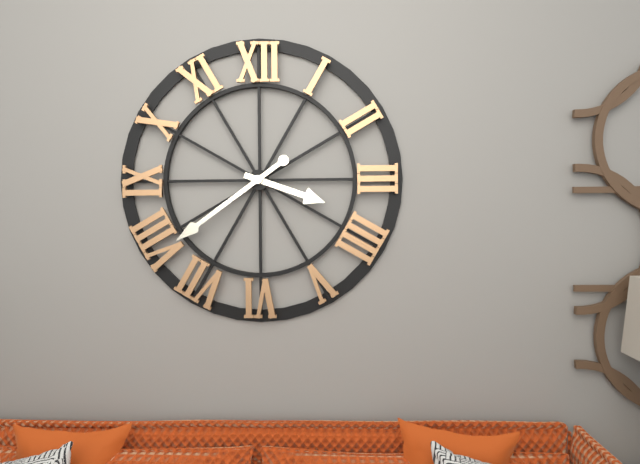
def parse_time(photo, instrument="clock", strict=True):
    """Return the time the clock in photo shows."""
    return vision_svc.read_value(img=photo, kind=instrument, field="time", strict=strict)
3:39
